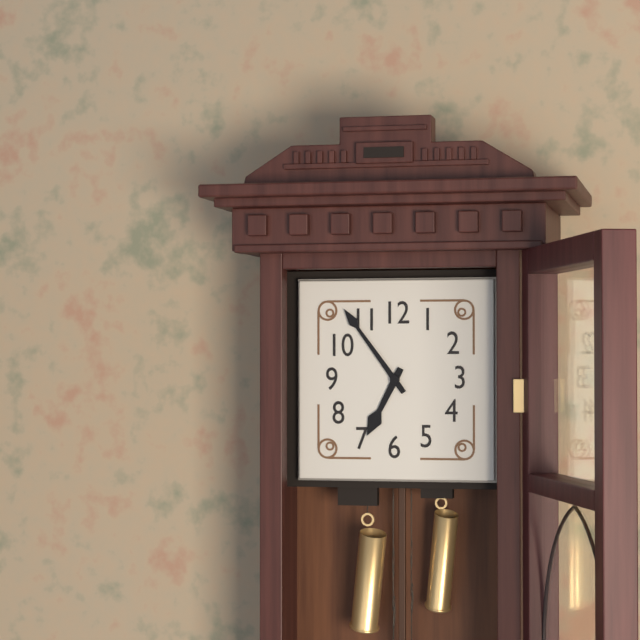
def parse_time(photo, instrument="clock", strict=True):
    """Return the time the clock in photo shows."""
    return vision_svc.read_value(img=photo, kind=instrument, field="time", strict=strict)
6:54
